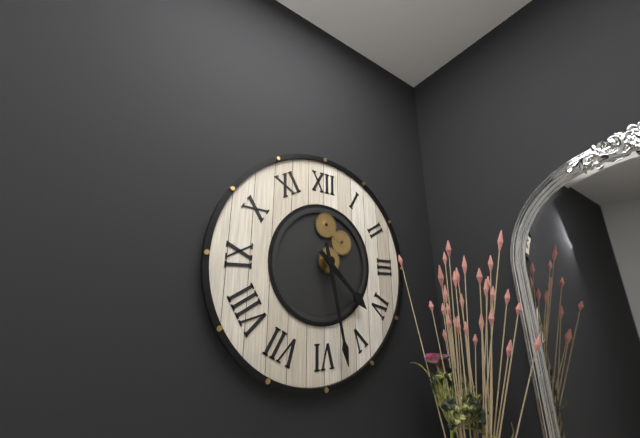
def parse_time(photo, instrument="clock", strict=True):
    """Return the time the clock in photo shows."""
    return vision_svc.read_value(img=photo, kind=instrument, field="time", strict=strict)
4:28
